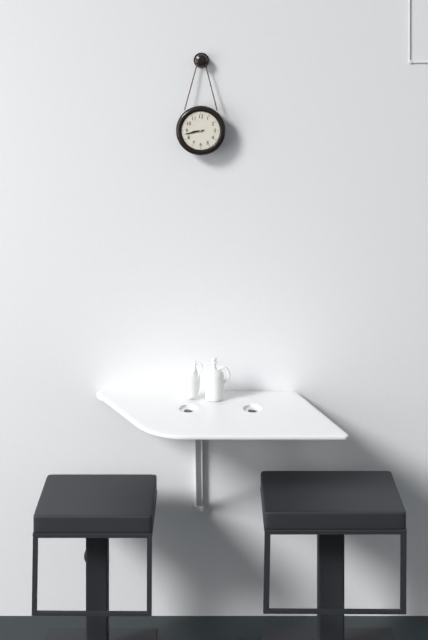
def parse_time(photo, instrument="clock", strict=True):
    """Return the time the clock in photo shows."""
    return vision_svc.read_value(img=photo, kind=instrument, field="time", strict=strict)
8:43
